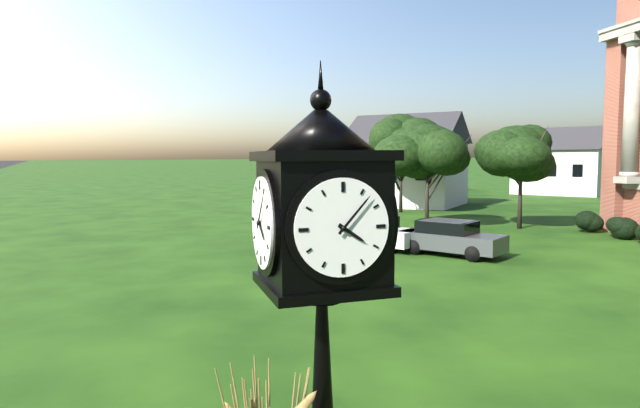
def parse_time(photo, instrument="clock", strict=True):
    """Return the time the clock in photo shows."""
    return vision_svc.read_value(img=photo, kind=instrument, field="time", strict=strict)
4:07
